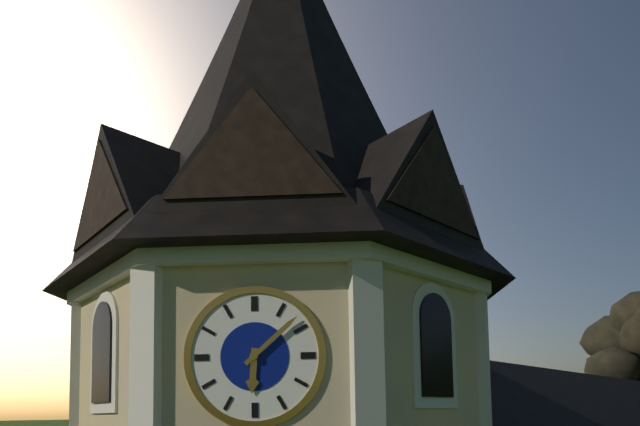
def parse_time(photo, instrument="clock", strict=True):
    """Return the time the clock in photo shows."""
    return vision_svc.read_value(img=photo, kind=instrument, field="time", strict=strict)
6:08
